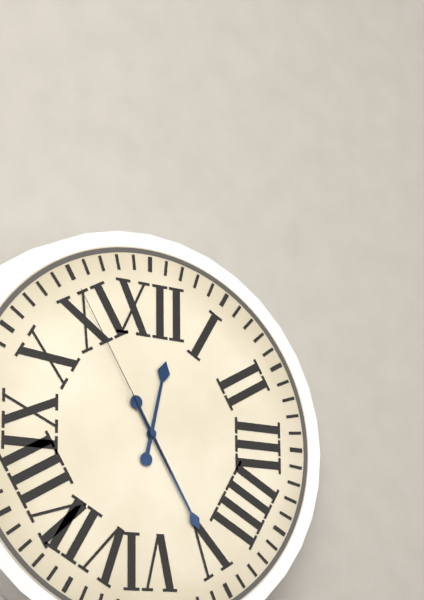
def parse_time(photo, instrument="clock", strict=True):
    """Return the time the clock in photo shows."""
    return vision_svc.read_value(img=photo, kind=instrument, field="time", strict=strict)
12:25:55
